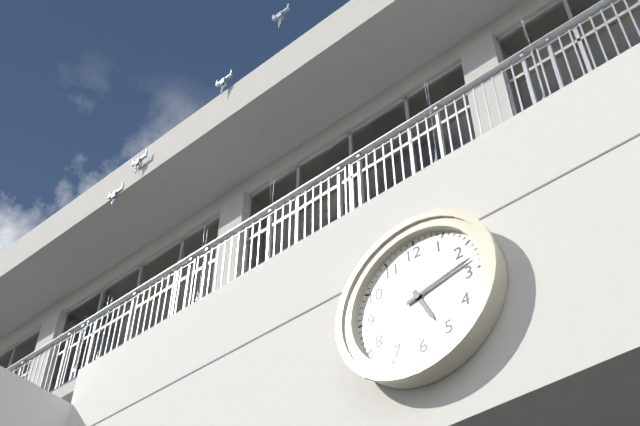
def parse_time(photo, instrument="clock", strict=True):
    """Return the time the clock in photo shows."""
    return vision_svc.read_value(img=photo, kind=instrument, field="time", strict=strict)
5:13
